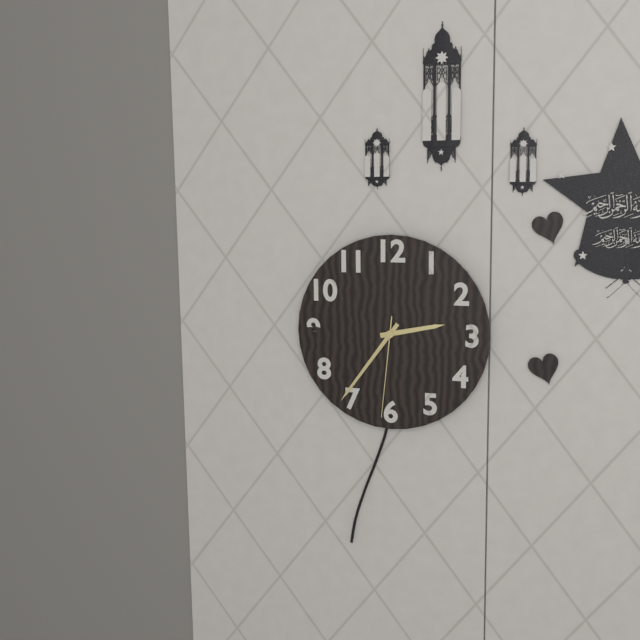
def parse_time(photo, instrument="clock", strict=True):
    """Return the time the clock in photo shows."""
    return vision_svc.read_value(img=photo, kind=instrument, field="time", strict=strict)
2:36:31
